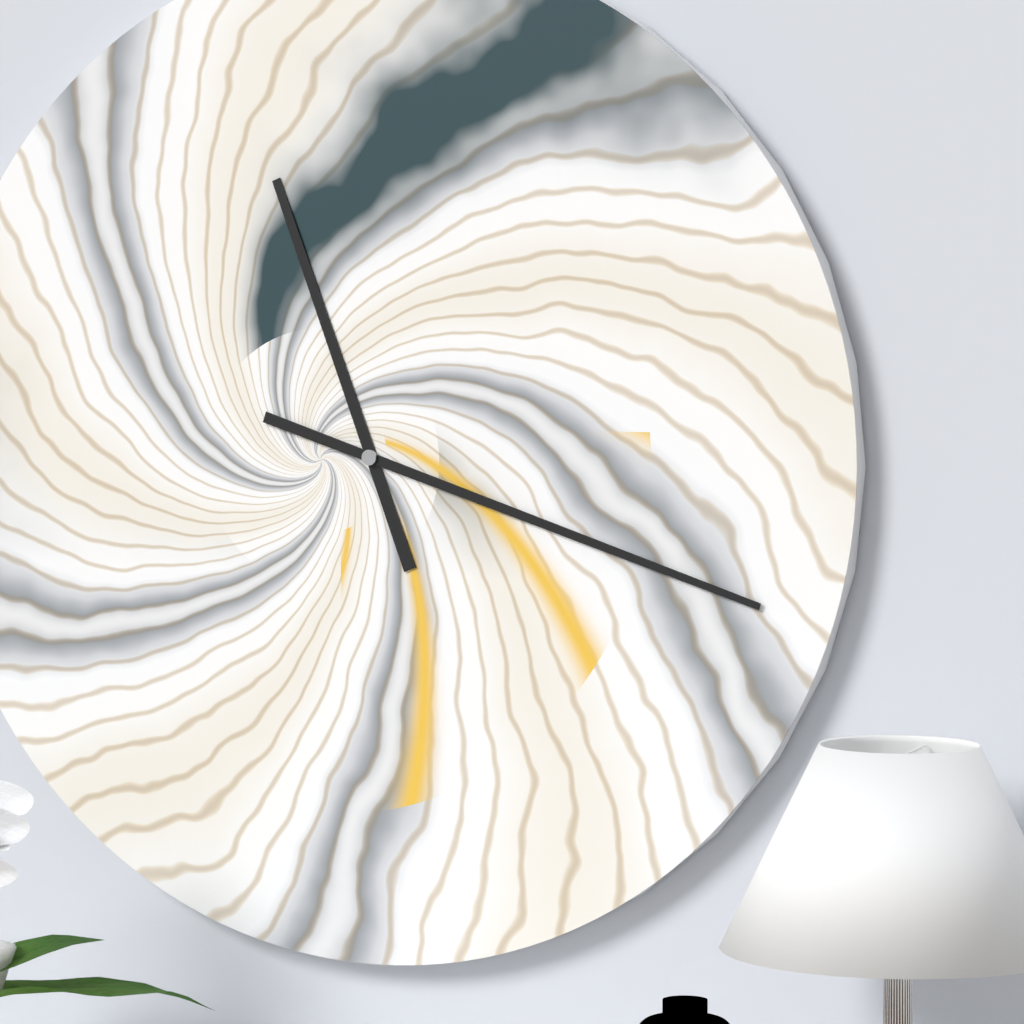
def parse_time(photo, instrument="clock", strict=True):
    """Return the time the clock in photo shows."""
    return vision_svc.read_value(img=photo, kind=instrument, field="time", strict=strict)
11:18
